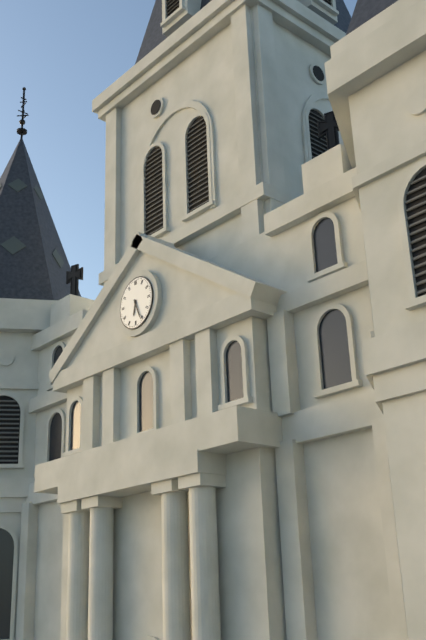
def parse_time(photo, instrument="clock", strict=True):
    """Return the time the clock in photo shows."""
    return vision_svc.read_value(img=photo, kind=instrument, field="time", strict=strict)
6:26
